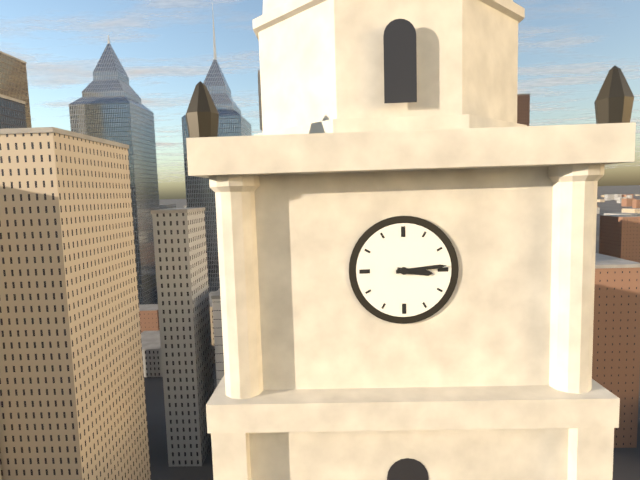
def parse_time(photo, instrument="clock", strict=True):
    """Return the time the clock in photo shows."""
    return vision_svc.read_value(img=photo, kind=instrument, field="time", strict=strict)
3:14
